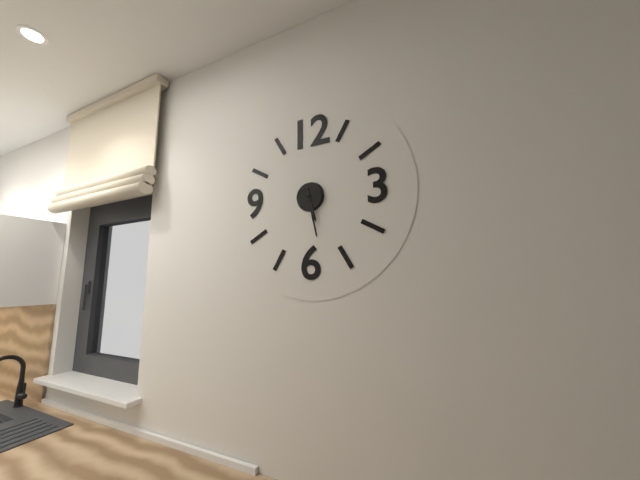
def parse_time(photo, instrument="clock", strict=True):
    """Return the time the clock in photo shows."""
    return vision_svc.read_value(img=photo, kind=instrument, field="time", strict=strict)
5:28
